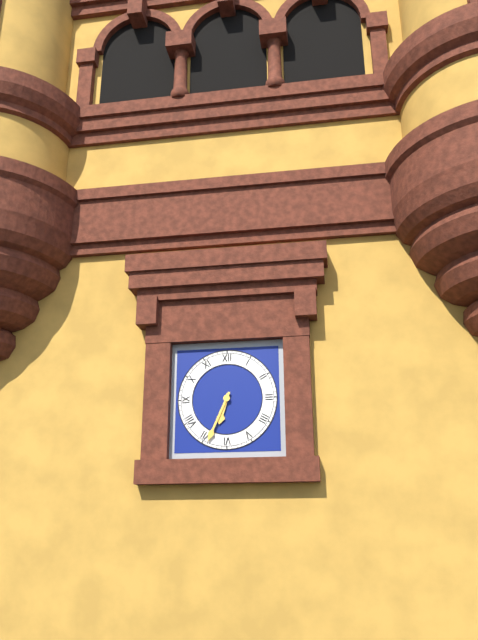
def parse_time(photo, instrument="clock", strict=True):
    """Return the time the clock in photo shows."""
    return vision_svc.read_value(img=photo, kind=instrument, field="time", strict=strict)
6:34
